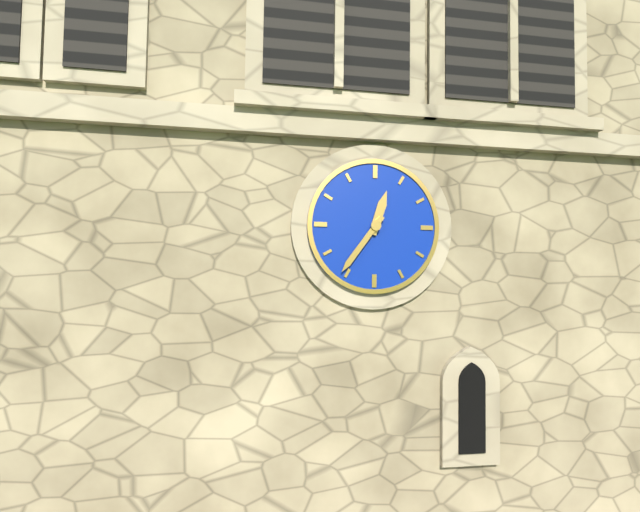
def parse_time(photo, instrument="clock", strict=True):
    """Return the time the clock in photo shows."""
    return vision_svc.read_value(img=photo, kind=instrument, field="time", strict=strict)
12:36
